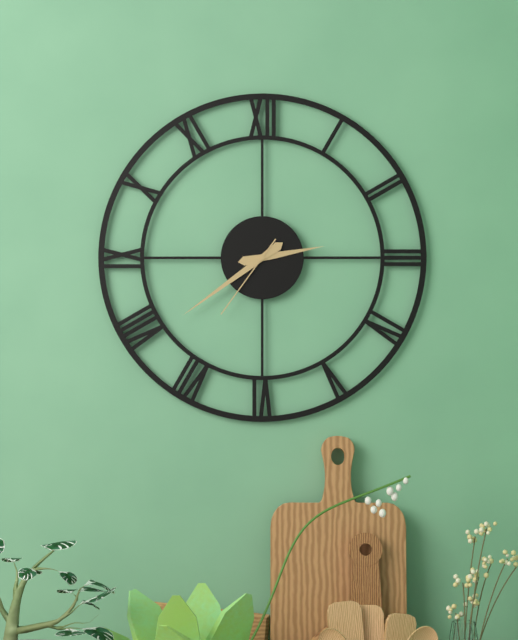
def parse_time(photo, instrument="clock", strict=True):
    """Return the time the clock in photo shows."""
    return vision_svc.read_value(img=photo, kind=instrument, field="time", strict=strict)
2:39:36
